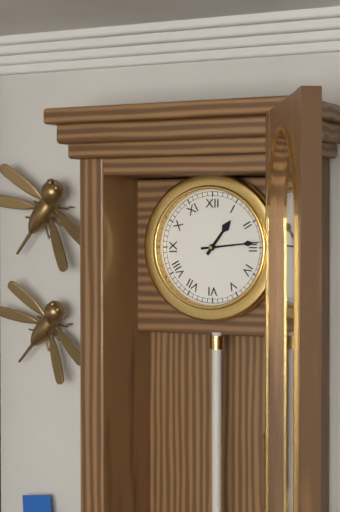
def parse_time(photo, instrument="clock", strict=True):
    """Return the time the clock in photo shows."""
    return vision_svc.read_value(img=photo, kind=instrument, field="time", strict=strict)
1:14
